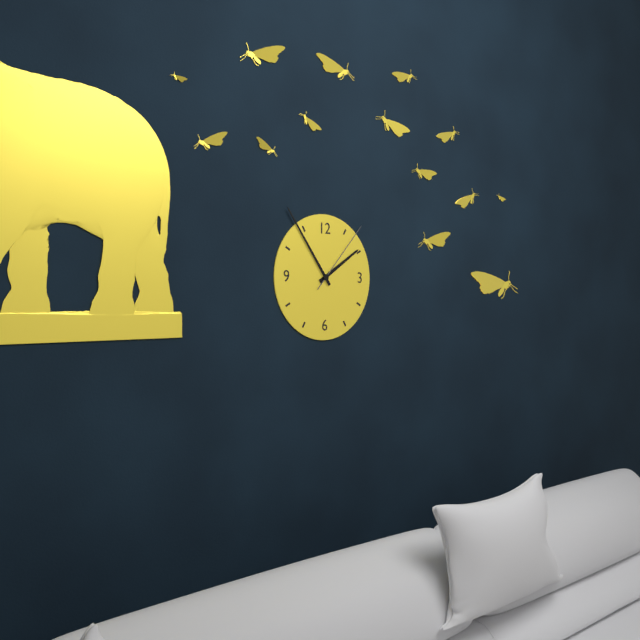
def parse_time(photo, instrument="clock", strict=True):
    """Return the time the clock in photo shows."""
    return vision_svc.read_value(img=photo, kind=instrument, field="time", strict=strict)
1:54:07
